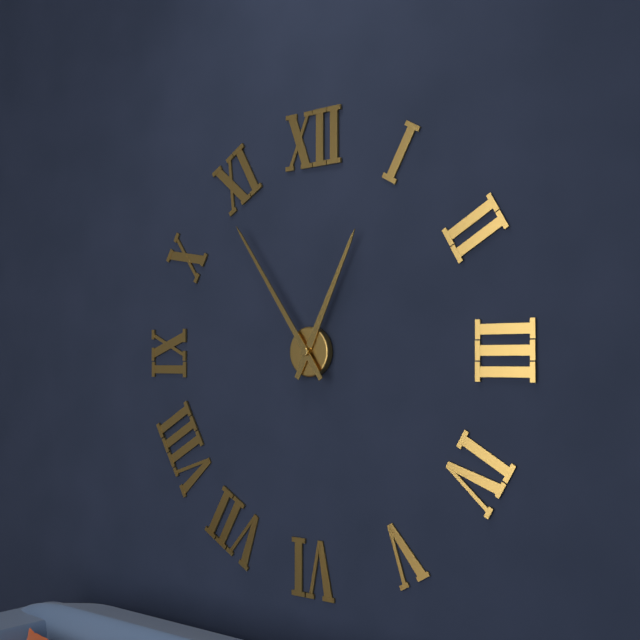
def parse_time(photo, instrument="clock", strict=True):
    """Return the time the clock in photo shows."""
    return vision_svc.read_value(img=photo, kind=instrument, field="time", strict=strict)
12:54
